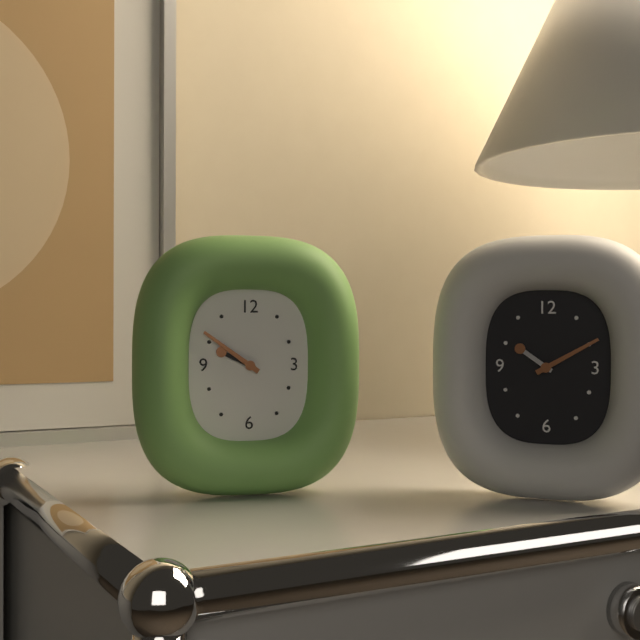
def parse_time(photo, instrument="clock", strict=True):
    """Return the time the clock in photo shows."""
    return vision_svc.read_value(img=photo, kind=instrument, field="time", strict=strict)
9:51
